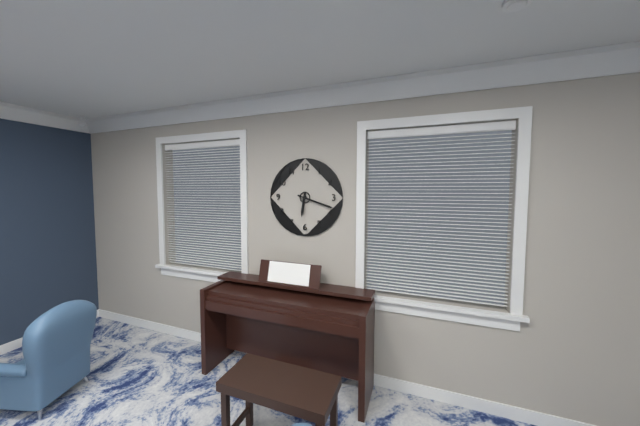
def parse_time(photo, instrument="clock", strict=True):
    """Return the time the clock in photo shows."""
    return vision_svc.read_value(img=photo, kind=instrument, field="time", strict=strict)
6:18
